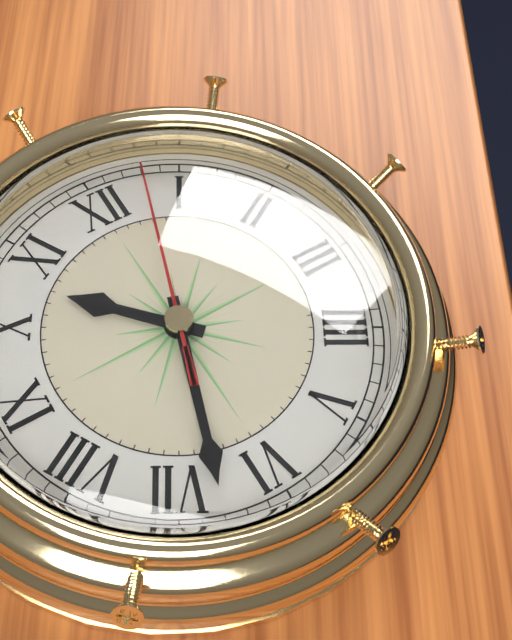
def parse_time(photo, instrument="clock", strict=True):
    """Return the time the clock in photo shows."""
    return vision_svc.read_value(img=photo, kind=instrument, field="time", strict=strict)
10:33:03
